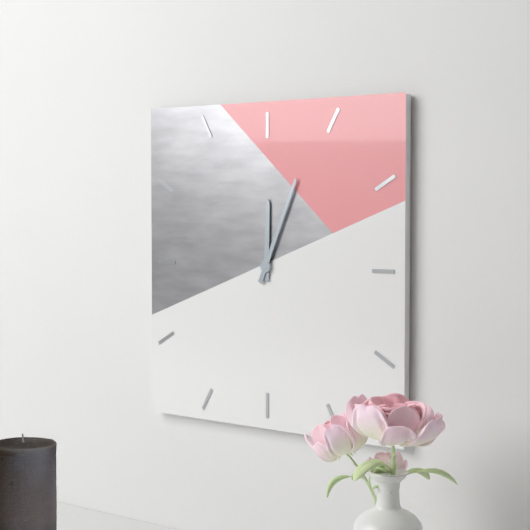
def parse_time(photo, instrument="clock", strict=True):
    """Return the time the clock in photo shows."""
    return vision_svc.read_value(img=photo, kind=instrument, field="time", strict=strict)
12:04
